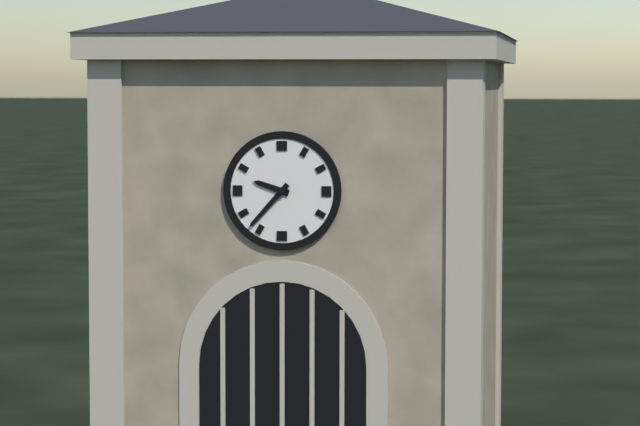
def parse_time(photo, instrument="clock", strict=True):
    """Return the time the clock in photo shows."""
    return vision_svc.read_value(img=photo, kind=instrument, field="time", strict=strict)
9:37
